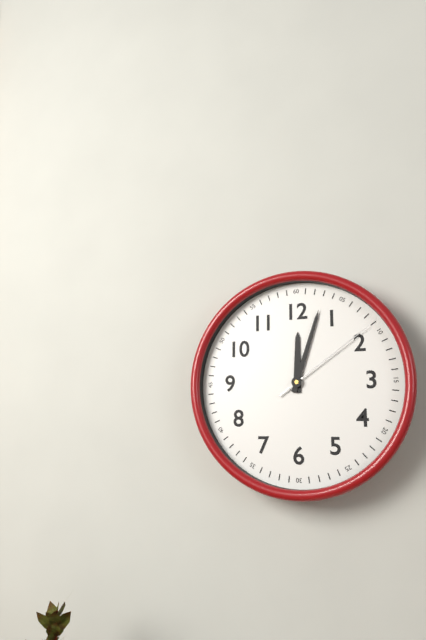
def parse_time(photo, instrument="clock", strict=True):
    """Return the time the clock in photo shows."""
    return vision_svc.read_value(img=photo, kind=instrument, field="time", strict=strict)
12:03:09
